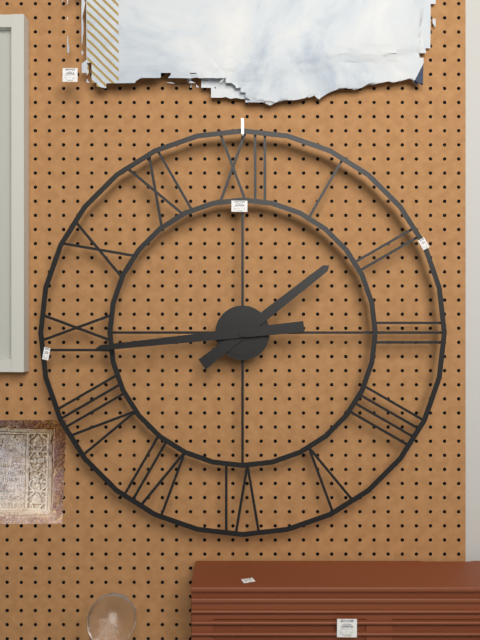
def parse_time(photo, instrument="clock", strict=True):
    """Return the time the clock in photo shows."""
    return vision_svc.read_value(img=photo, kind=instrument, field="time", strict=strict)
1:44
